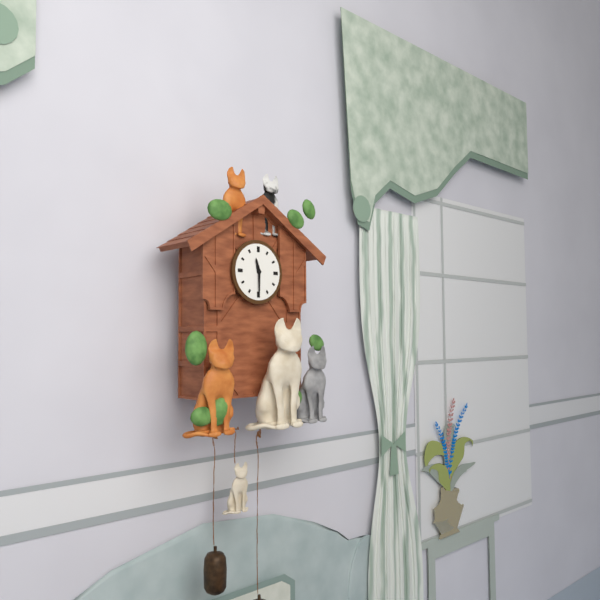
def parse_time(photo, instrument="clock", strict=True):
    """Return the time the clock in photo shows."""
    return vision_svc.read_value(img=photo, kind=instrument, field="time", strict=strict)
11:30
